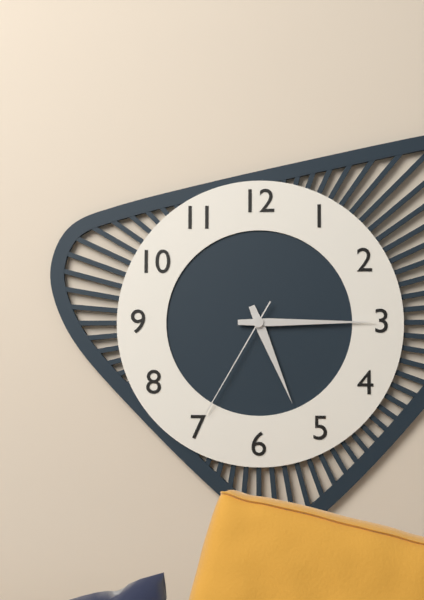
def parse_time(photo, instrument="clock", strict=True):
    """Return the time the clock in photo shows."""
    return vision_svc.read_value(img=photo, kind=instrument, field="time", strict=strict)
5:15:35
